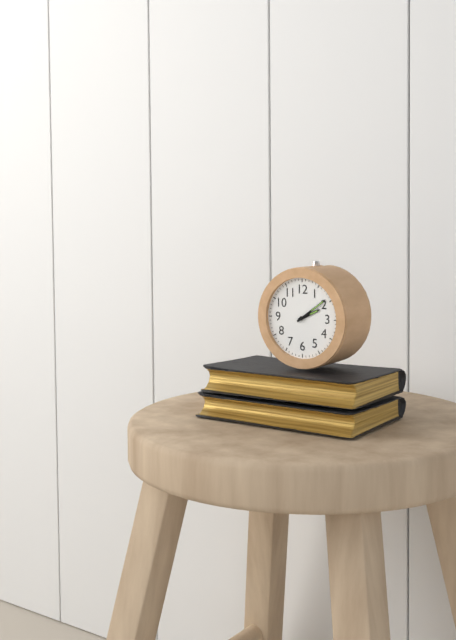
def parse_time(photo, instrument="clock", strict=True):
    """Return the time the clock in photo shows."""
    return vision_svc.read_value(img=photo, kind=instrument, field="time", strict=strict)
2:09
